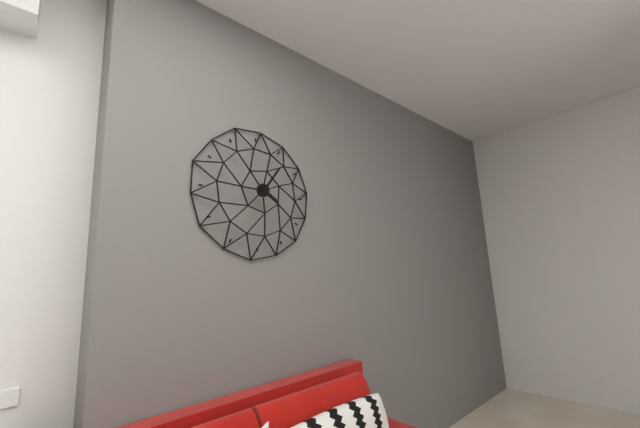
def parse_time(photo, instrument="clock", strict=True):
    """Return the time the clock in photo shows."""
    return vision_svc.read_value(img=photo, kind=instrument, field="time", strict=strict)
4:06
